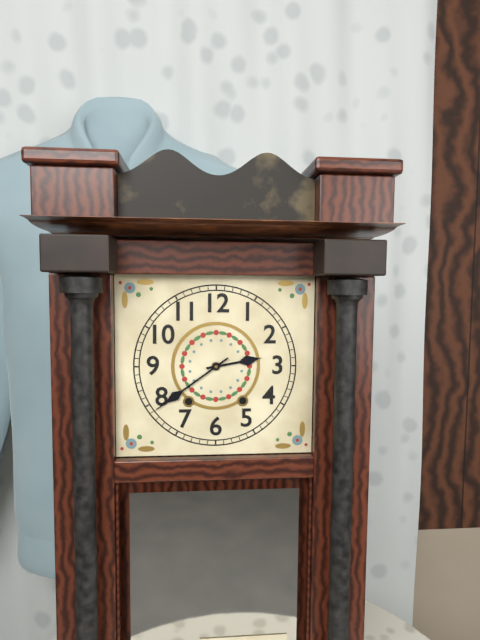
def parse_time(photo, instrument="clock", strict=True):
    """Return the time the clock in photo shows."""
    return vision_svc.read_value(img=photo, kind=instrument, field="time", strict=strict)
2:39
